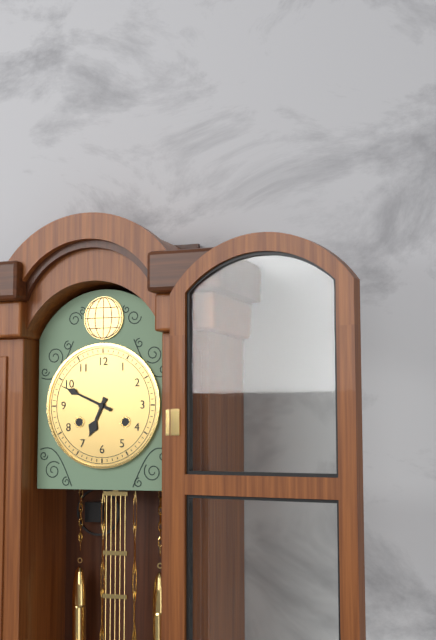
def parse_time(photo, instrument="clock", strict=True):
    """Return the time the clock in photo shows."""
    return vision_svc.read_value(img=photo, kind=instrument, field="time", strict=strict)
6:49
